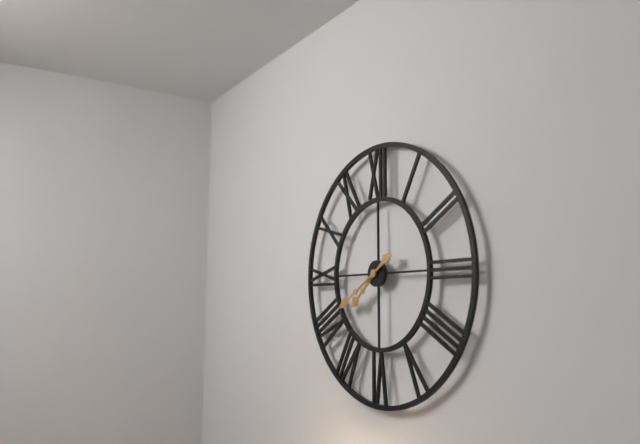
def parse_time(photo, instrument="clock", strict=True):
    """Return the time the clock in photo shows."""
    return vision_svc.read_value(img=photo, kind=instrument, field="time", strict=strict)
7:40
